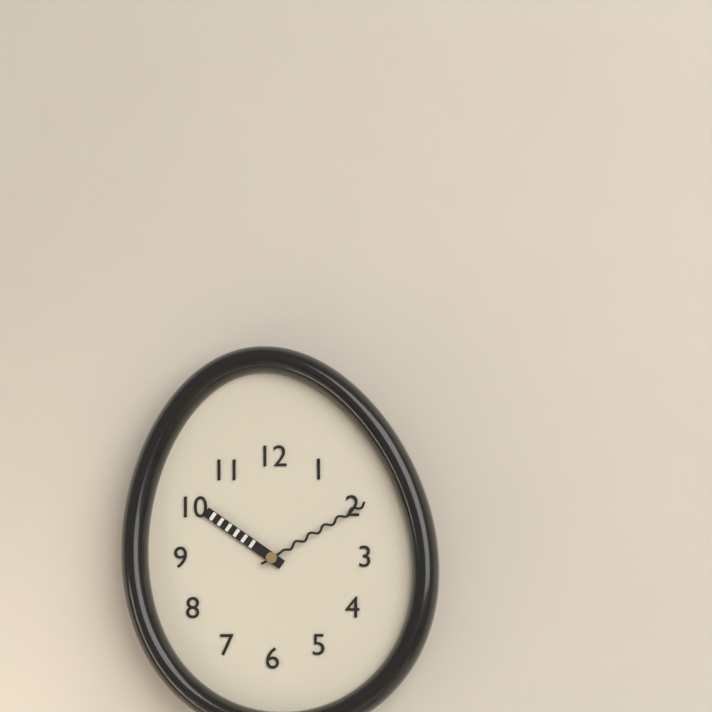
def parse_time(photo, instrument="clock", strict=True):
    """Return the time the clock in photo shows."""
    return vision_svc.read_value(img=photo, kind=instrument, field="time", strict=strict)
10:10
